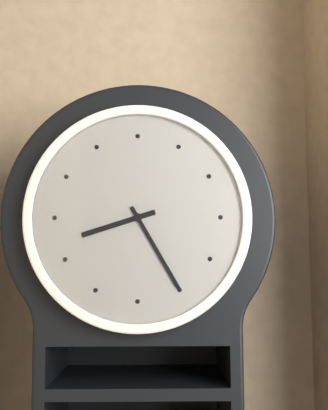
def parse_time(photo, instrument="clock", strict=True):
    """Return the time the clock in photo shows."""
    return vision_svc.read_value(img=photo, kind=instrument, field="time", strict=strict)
8:25
